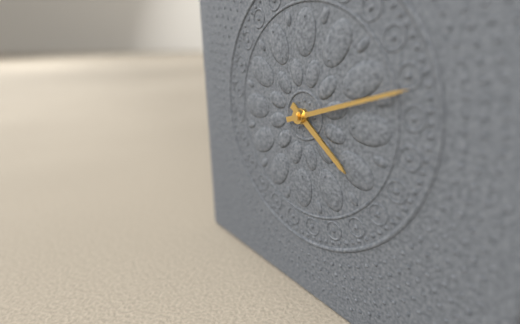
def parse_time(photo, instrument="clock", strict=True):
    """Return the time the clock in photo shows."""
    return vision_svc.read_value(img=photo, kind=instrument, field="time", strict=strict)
4:12
